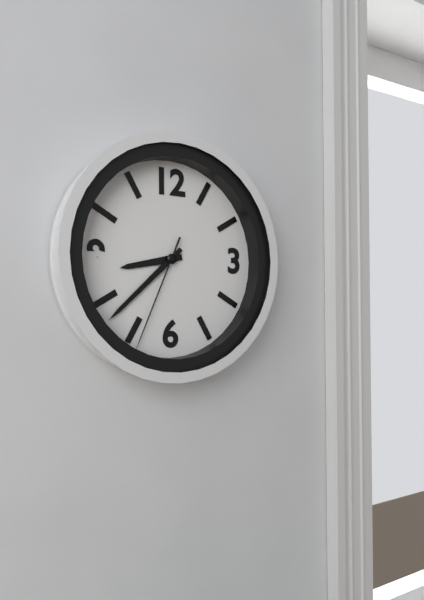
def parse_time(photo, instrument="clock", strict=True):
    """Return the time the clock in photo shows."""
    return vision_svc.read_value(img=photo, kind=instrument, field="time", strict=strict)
8:38:34
